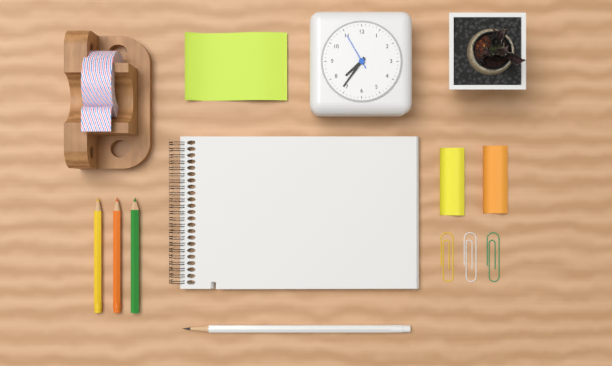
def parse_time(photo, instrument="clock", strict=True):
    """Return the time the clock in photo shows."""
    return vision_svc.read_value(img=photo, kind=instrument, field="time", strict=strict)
7:36
